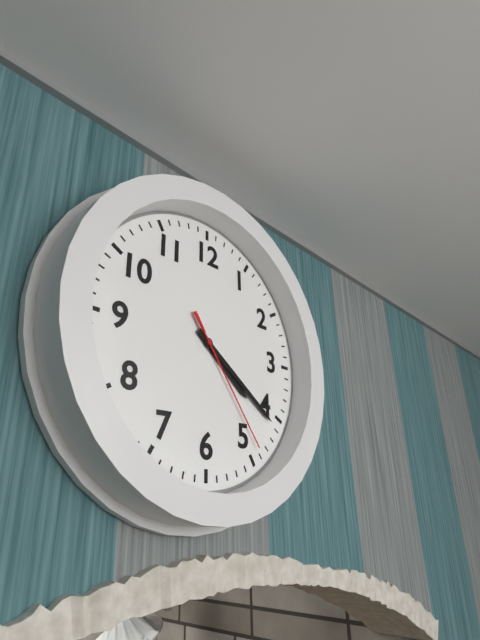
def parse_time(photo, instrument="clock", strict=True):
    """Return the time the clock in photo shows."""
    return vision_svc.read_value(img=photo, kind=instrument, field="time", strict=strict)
4:21:24
